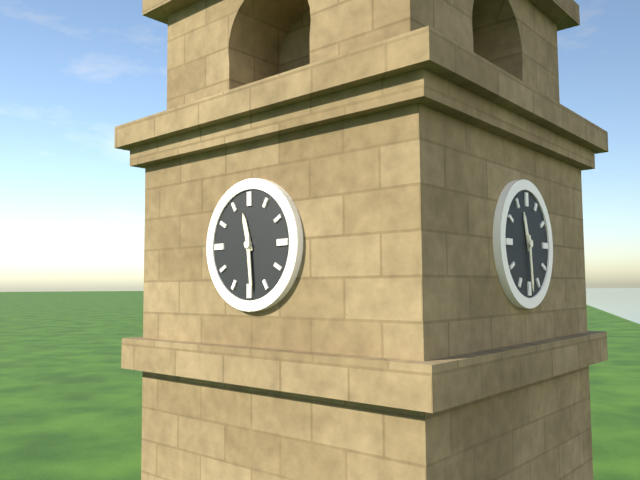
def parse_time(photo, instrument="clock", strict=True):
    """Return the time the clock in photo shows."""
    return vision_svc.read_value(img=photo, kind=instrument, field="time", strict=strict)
11:29
